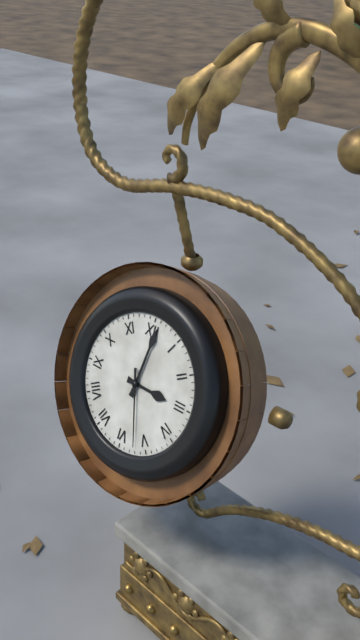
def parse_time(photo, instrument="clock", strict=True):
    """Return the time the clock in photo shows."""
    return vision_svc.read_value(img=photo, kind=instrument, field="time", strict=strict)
3:01:27
